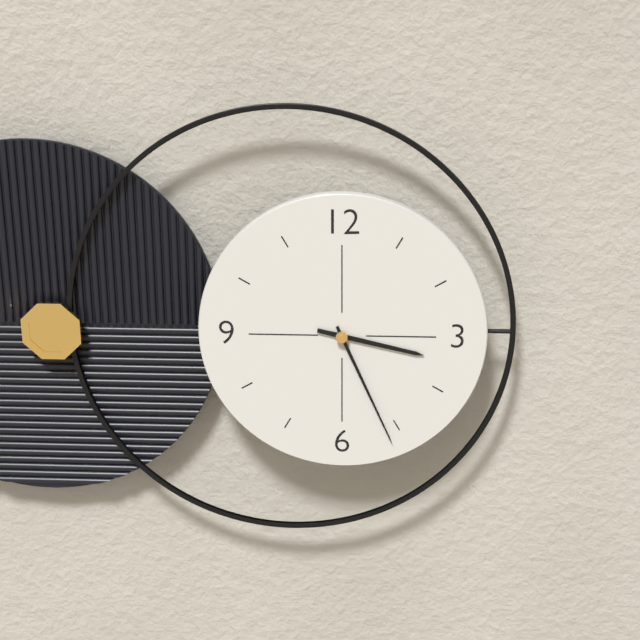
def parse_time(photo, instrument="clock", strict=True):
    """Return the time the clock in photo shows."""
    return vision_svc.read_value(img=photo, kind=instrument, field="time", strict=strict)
3:26
